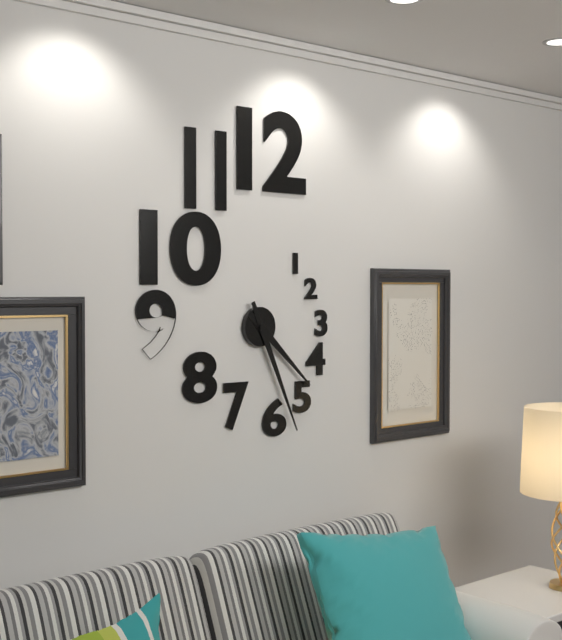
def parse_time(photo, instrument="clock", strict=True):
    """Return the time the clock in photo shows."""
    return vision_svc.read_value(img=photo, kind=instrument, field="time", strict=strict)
4:26
